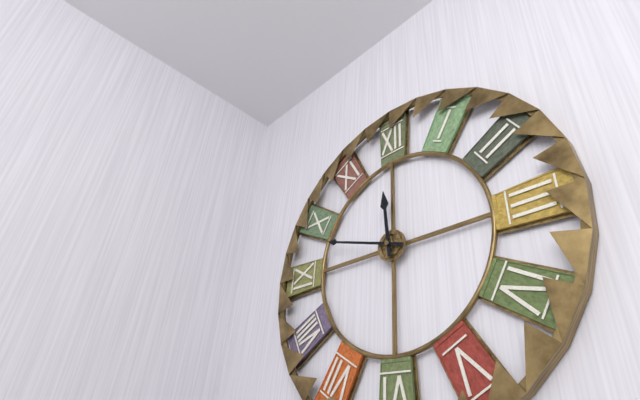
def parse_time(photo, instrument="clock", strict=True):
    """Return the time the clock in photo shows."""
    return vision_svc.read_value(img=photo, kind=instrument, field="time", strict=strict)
11:48
